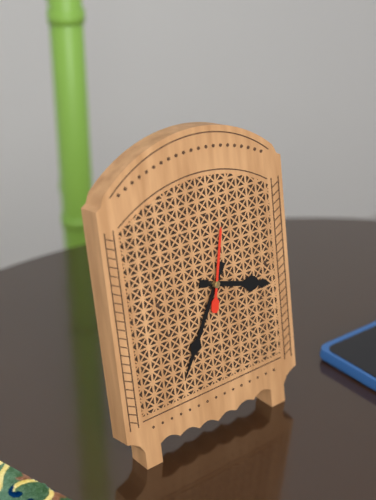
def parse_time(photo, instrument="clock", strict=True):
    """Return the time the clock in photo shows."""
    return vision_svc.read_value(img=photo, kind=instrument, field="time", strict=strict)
3:35:02
